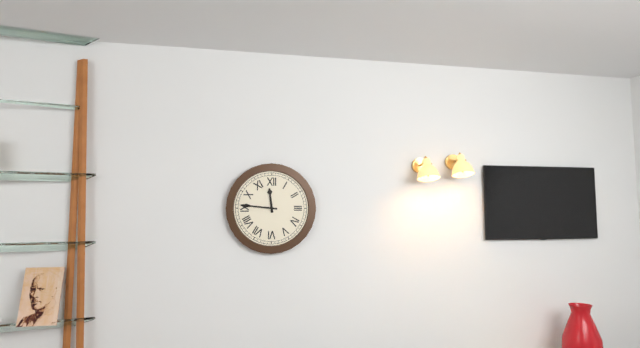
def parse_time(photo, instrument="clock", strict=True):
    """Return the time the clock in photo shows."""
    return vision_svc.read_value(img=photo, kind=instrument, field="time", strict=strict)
11:46
